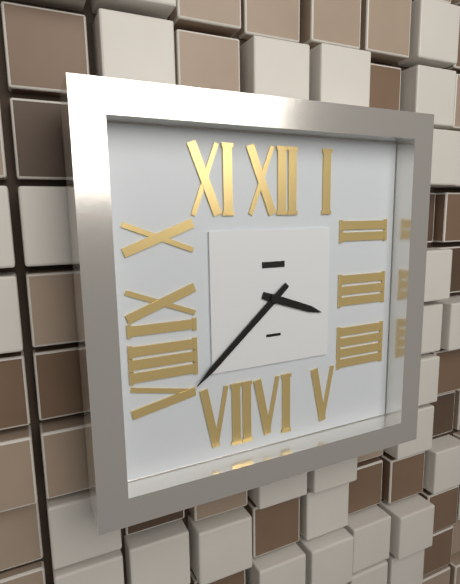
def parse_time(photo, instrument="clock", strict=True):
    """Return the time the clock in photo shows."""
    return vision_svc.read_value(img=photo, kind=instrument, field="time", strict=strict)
3:38
